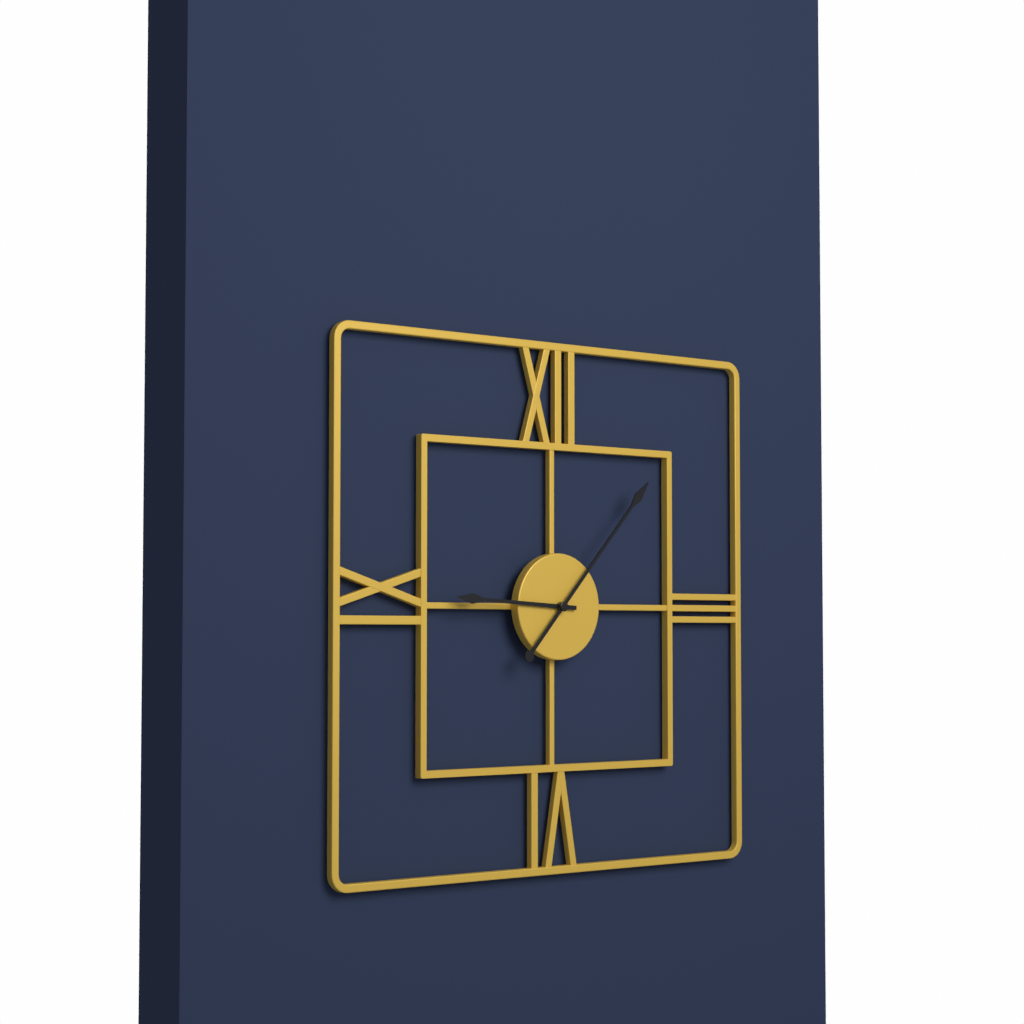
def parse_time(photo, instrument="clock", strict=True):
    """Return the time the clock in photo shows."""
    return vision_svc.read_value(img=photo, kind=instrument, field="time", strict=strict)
9:07
